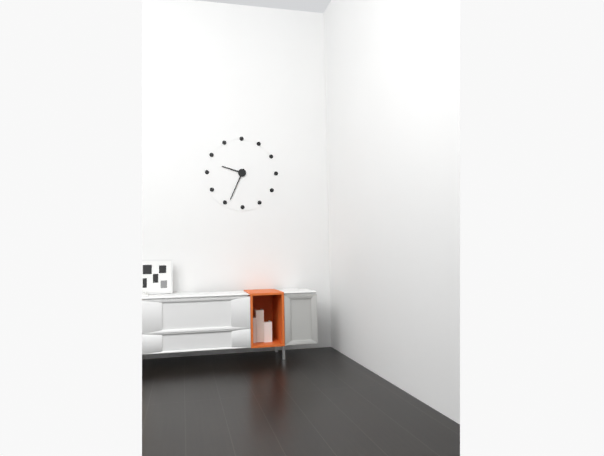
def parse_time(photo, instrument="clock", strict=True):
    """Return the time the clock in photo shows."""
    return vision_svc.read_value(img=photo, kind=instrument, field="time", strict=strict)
9:34
